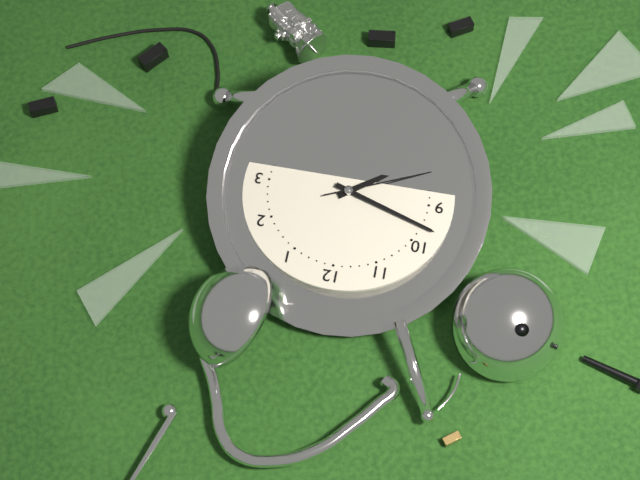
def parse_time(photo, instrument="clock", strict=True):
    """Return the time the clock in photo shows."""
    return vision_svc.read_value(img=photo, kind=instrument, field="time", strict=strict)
7:48:41
